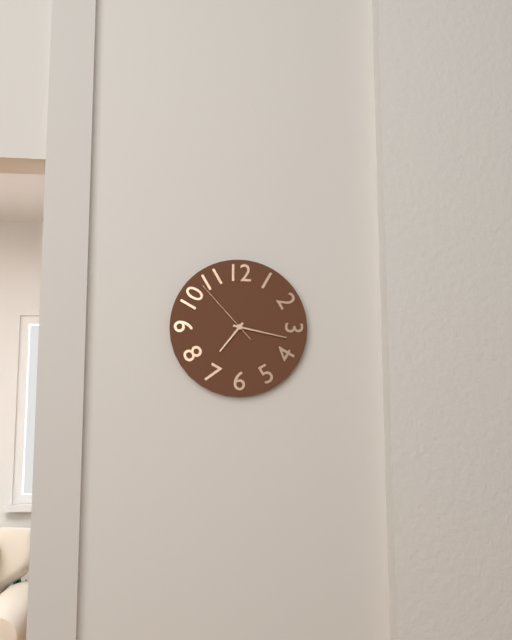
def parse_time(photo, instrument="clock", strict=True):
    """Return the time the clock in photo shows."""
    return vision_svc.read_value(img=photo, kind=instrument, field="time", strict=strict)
7:17:53
